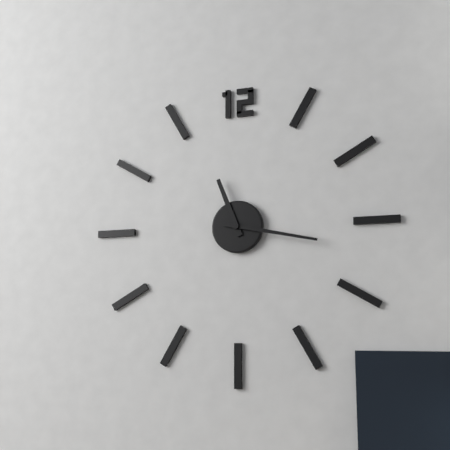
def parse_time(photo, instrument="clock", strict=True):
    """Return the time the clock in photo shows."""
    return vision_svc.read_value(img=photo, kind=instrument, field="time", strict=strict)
11:17
